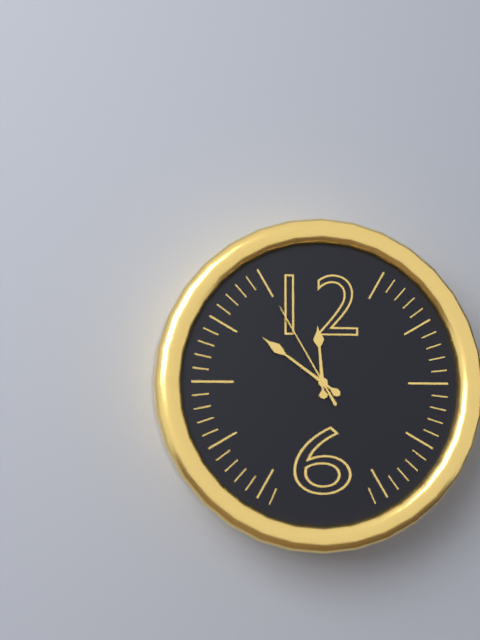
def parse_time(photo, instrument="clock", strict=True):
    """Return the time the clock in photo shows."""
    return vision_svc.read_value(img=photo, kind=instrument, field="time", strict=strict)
11:51:55
